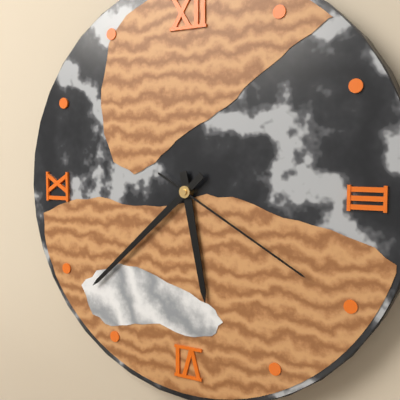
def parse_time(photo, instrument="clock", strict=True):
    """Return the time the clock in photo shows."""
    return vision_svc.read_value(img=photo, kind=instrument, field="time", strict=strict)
5:38:20
